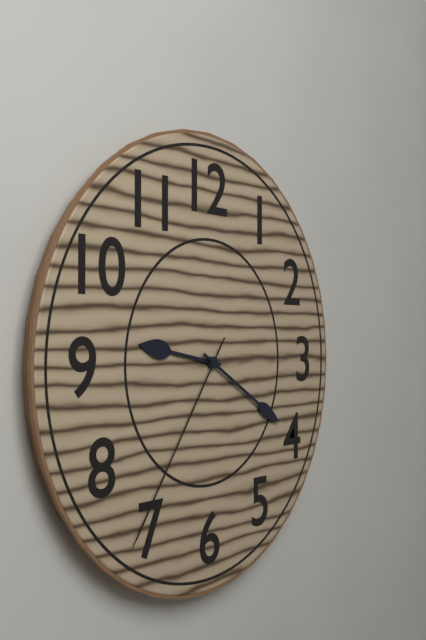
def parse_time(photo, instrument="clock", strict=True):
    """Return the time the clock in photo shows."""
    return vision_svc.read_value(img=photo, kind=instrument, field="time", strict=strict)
9:20:36
